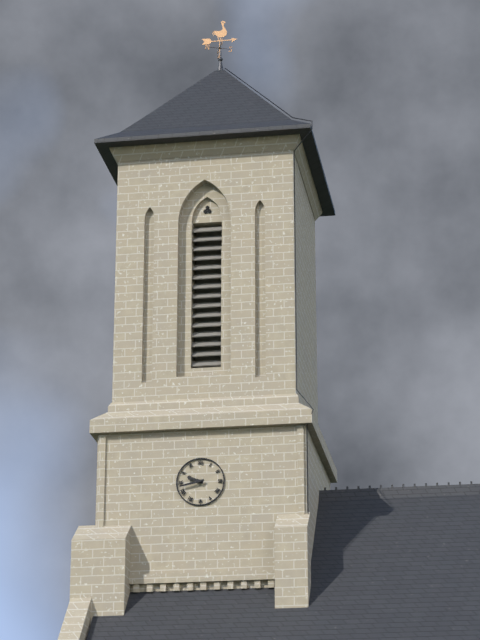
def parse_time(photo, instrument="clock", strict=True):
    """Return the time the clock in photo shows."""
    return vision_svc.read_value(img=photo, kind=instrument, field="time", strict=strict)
9:43
